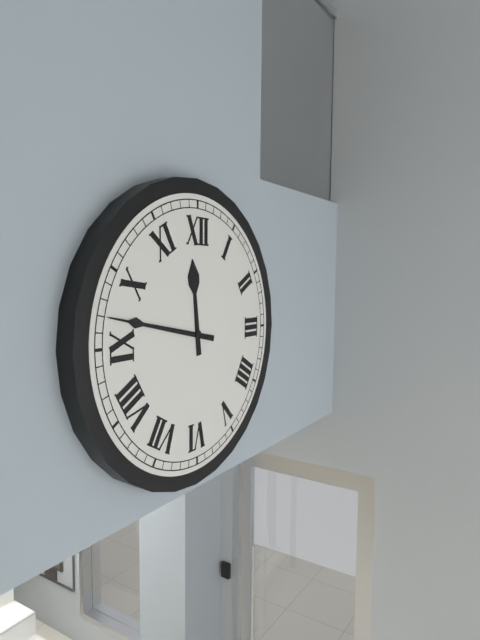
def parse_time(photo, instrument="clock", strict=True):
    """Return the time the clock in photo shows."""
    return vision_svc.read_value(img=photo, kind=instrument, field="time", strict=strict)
11:47
